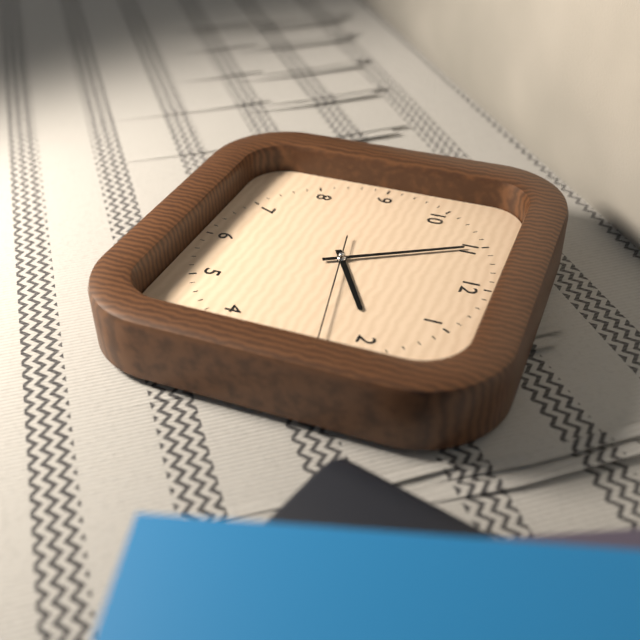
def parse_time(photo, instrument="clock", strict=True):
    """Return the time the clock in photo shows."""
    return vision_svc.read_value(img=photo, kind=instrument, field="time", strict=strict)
1:55:13
